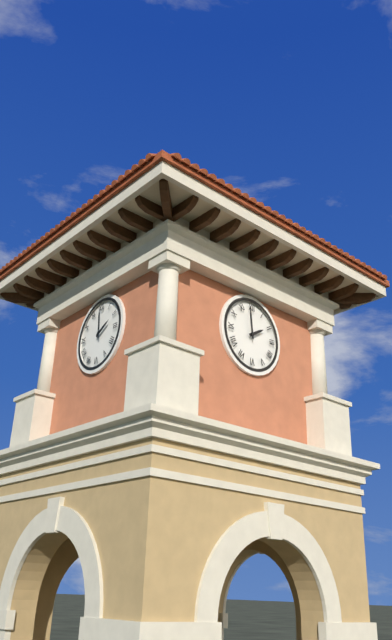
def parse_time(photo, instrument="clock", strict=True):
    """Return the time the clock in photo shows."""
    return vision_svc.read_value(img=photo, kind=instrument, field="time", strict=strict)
1:59
